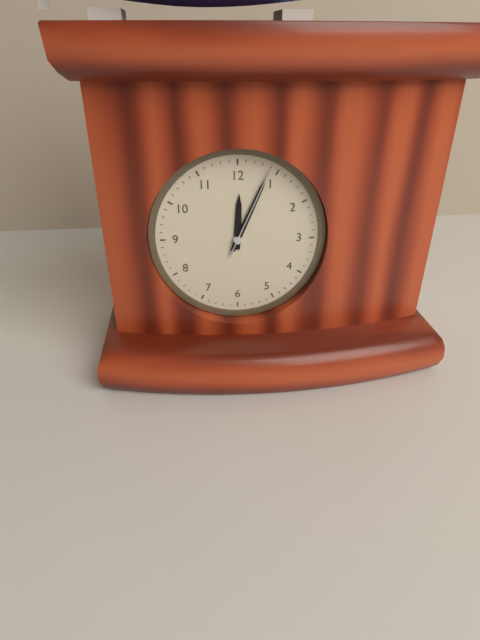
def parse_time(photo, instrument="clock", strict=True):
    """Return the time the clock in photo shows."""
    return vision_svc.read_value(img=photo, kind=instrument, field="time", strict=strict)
12:04:04
